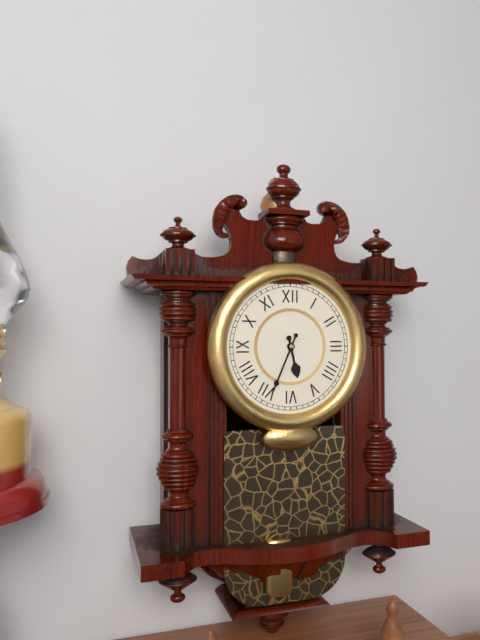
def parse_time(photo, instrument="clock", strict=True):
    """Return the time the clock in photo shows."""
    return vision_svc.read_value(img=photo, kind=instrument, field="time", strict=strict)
5:34
